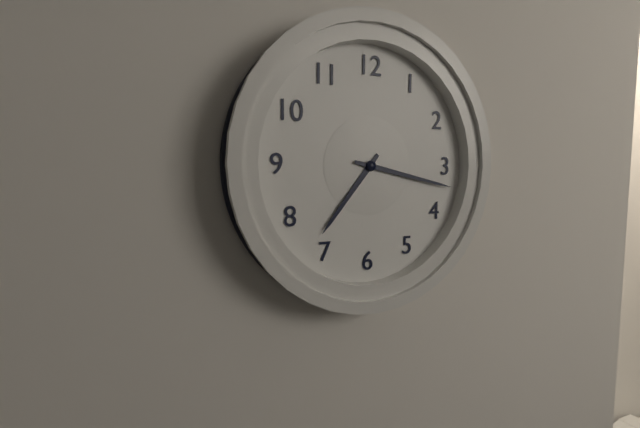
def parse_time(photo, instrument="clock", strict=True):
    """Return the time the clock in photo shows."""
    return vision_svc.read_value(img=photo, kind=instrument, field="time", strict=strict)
7:17
